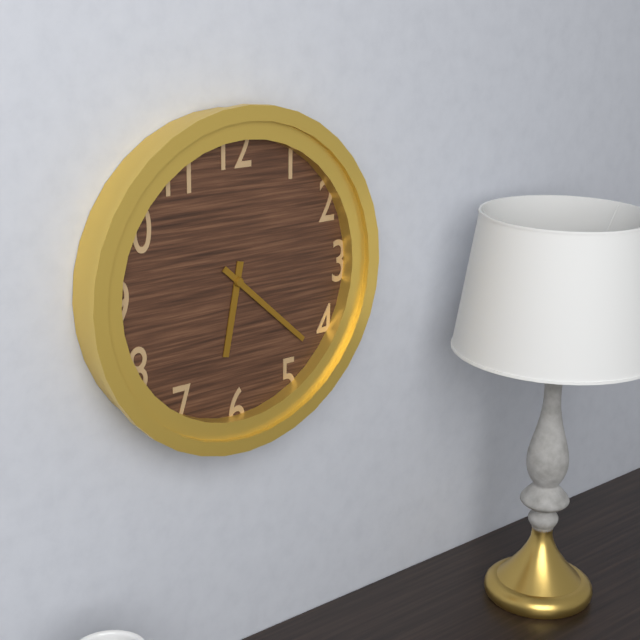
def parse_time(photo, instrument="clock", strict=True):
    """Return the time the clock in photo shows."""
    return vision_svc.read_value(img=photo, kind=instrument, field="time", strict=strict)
6:22
